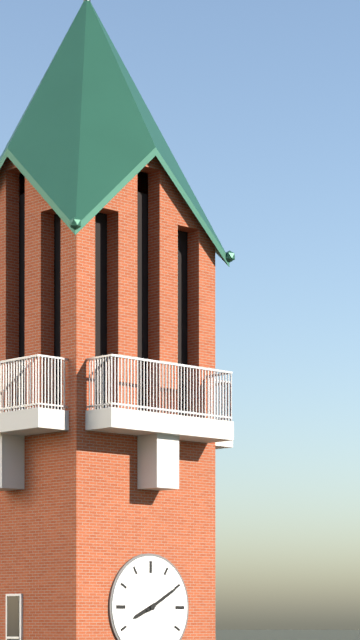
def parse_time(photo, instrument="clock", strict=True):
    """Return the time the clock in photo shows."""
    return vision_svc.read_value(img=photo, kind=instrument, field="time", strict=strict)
8:10
